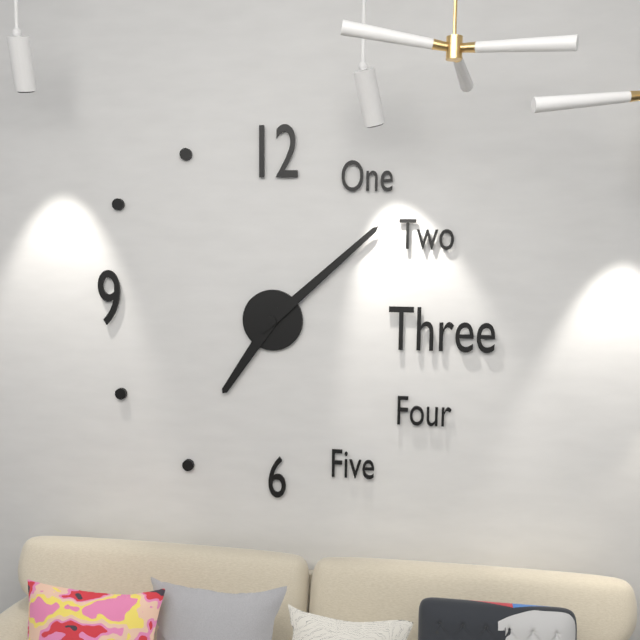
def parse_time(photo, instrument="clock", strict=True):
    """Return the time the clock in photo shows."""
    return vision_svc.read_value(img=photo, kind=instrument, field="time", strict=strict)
7:08
